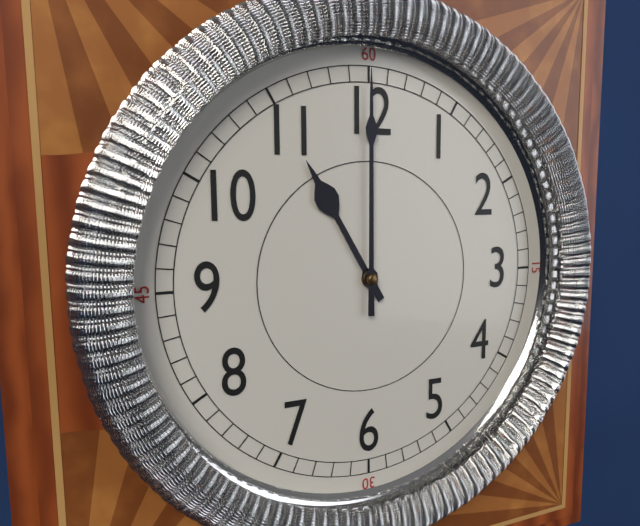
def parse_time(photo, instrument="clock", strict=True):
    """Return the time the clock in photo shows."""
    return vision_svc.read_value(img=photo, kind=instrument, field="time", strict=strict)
11:00
